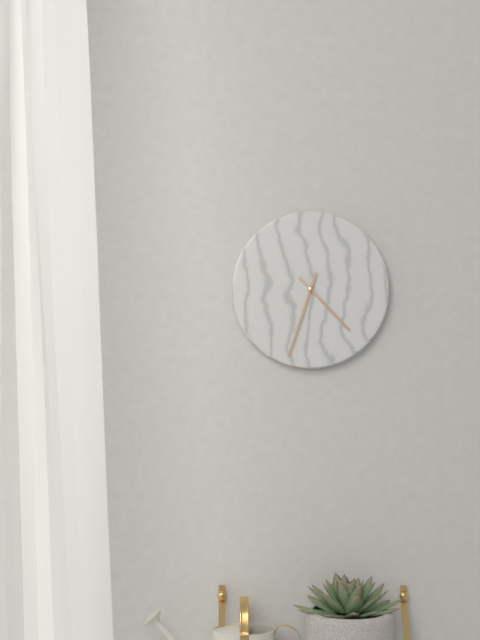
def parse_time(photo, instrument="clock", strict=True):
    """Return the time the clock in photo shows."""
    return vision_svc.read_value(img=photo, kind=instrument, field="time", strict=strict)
4:33
